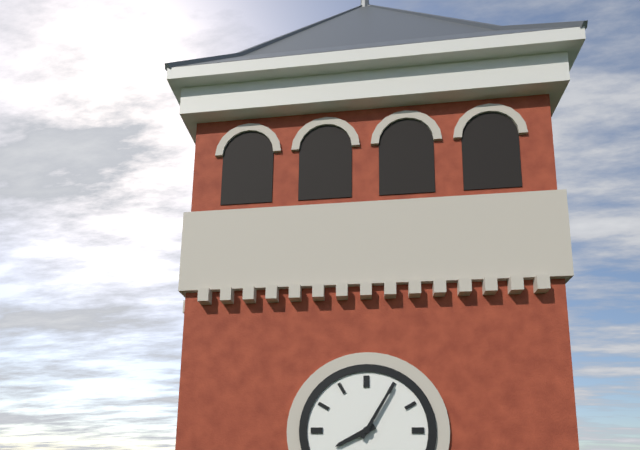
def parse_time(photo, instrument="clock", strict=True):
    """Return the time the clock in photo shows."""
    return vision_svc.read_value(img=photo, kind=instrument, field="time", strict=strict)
8:05
